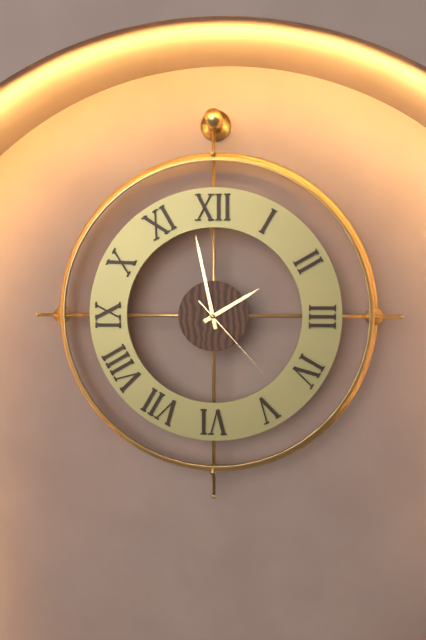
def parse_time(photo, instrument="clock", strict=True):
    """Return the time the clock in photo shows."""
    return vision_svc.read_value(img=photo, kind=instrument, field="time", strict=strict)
1:58:23
